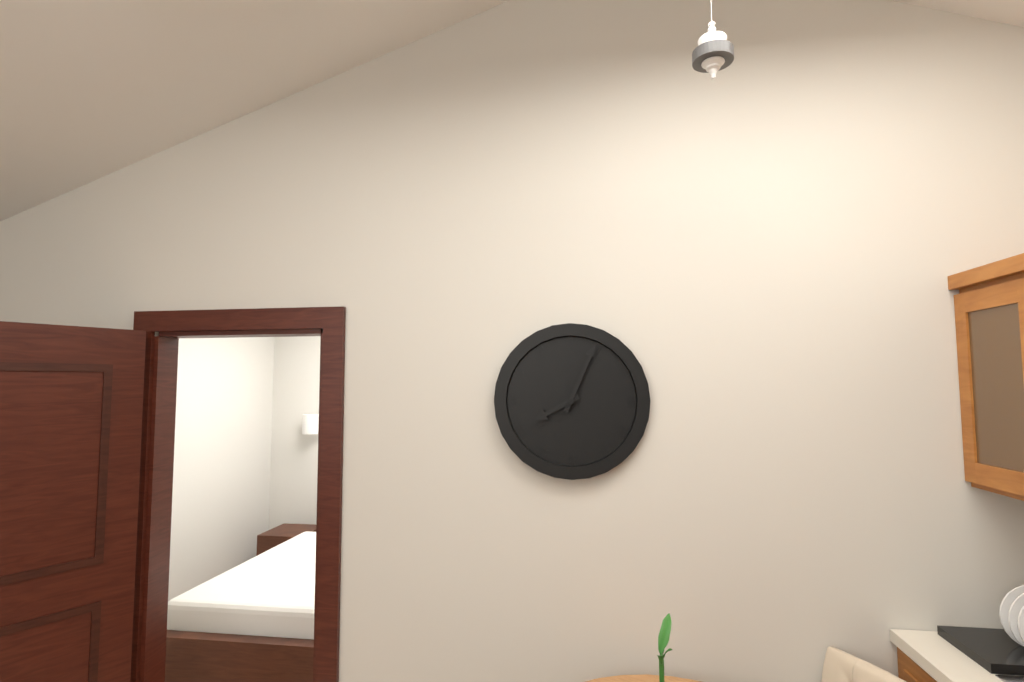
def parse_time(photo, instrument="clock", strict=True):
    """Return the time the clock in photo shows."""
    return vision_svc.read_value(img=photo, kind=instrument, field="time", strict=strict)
8:04
